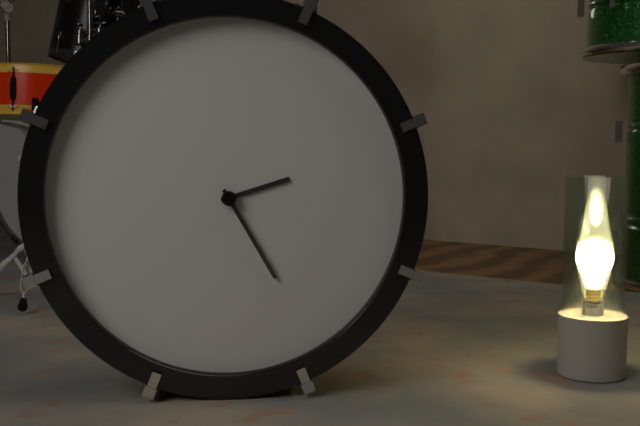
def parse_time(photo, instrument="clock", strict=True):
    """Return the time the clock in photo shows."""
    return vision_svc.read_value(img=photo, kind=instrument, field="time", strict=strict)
2:25
